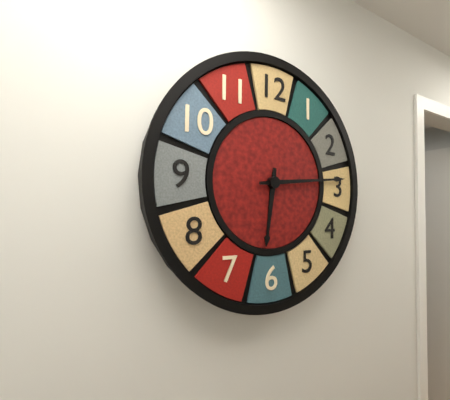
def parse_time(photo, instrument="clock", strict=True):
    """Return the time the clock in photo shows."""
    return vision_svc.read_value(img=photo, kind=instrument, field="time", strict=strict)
6:14
